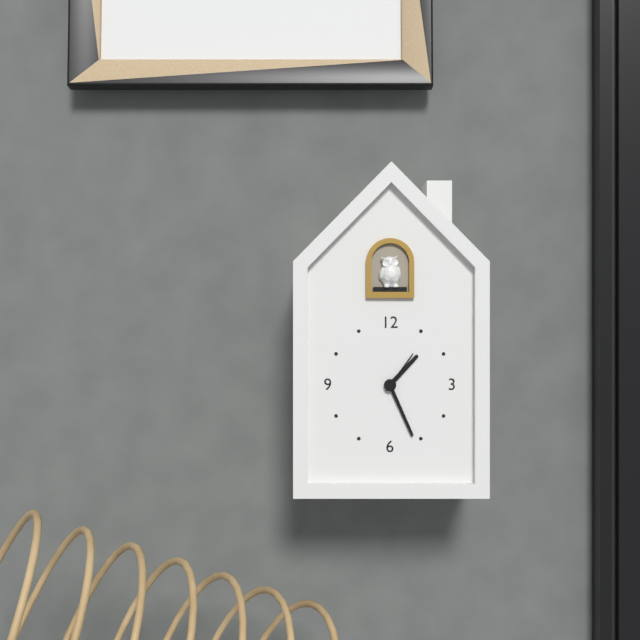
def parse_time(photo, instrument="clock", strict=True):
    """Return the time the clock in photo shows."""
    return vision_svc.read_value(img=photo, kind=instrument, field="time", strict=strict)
1:26
